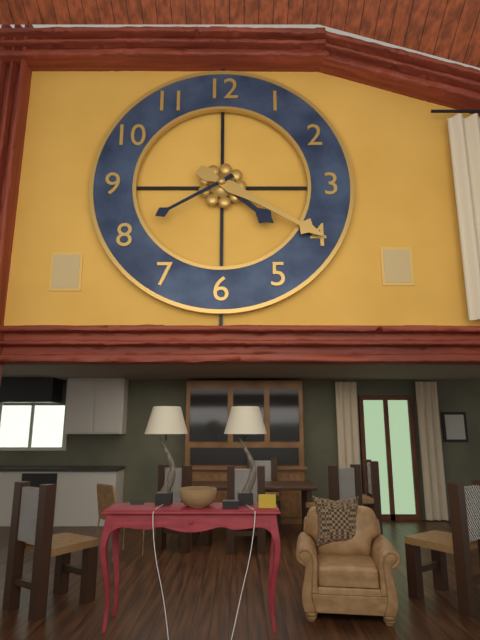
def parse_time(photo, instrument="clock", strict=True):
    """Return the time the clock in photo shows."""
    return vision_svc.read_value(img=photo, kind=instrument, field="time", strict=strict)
4:20:40
